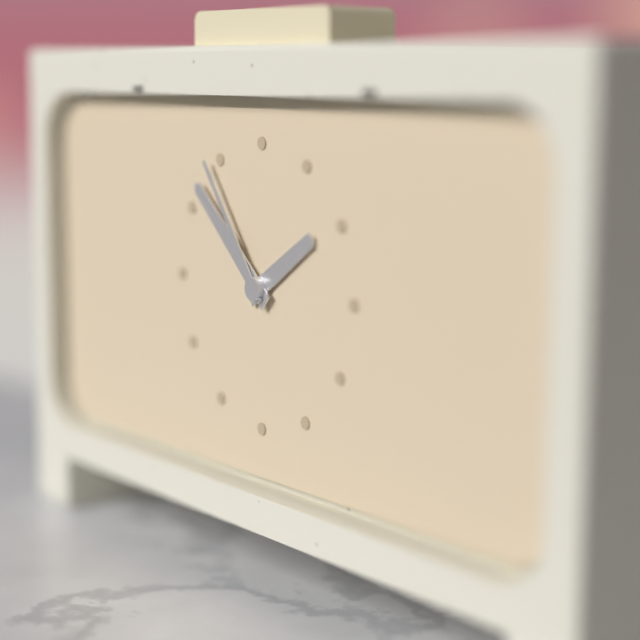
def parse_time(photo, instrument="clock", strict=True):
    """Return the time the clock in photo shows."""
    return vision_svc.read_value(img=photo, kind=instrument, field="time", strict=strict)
1:52:54
